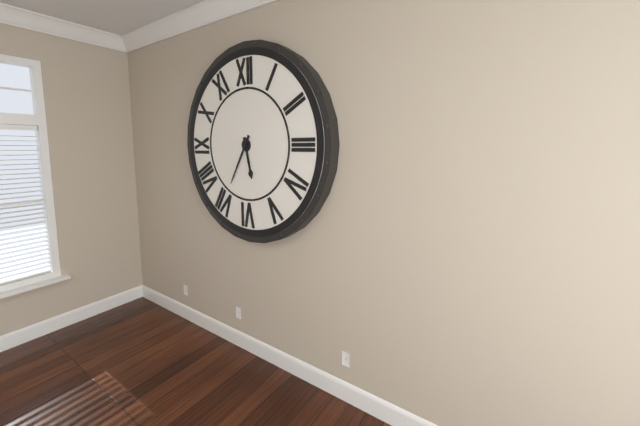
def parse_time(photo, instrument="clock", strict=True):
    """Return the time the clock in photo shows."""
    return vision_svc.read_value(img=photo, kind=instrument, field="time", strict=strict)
5:35
